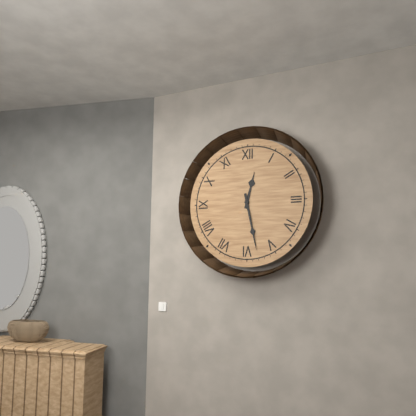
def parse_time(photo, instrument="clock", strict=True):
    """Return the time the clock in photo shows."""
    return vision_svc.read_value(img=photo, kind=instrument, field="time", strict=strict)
12:28
